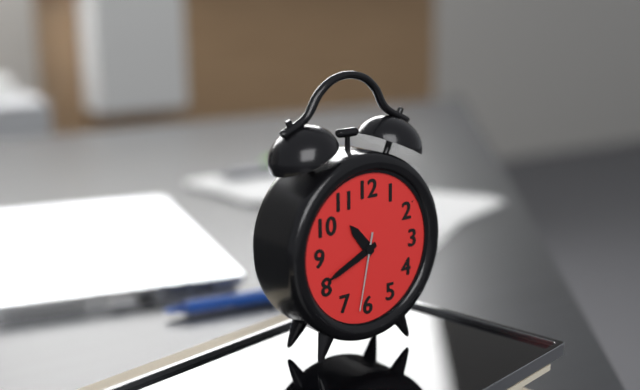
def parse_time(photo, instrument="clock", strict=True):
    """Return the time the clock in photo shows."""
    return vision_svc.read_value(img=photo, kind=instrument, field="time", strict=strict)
10:41:32
